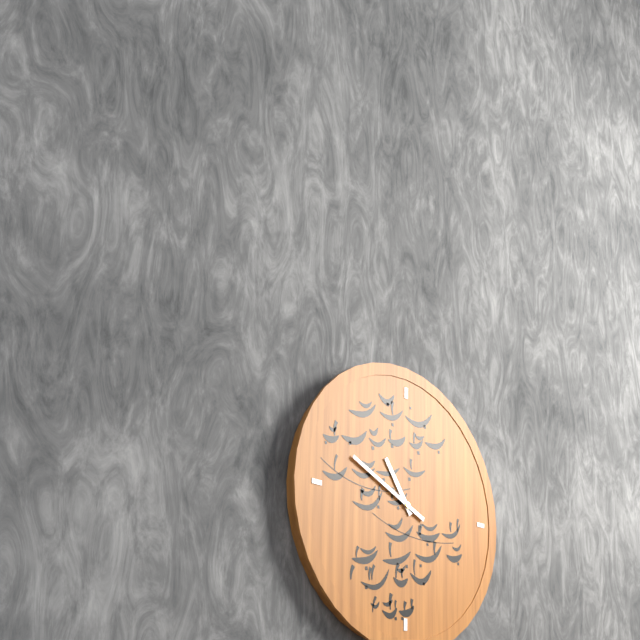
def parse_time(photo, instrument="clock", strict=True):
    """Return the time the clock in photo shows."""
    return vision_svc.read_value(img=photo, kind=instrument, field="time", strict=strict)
10:49
